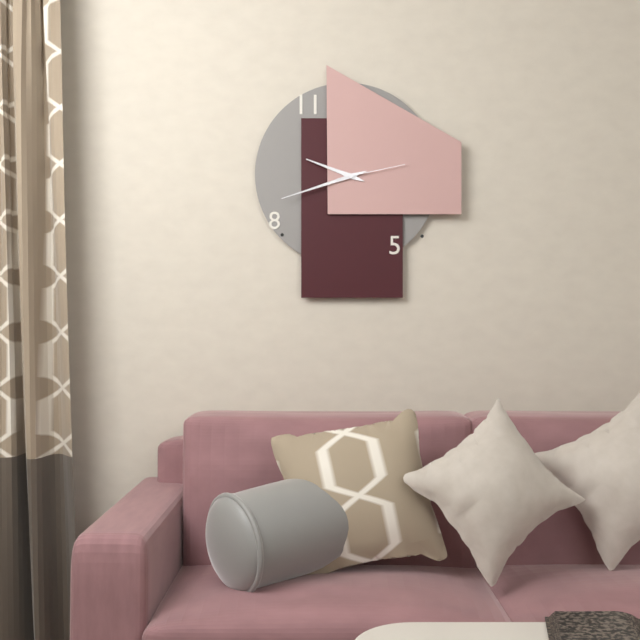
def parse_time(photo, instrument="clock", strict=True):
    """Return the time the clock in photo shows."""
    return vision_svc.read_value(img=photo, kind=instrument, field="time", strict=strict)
9:42:13
